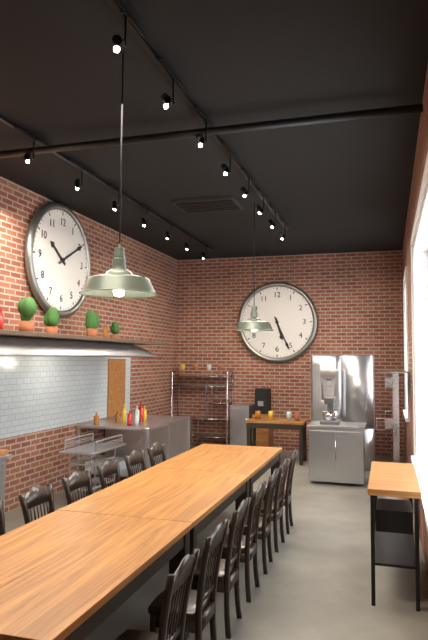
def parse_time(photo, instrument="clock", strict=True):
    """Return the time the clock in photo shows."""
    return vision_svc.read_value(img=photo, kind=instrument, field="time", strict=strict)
5:26
